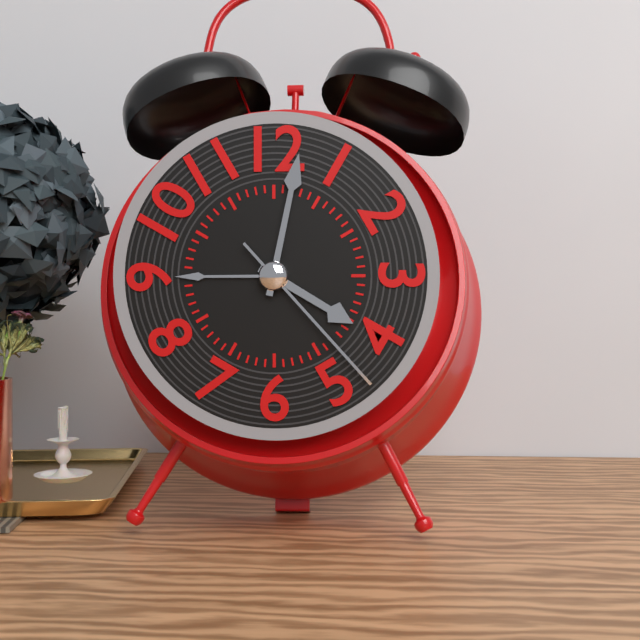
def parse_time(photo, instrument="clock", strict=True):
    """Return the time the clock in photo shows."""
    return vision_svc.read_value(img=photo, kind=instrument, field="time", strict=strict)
4:02:23
